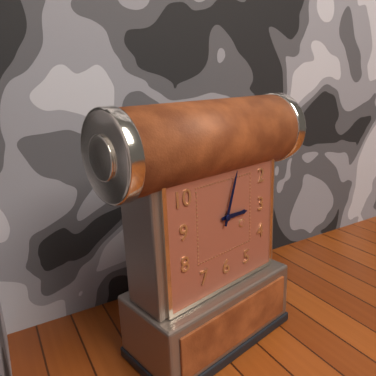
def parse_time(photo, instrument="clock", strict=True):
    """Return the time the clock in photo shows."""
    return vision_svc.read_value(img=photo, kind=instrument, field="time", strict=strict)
3:03
